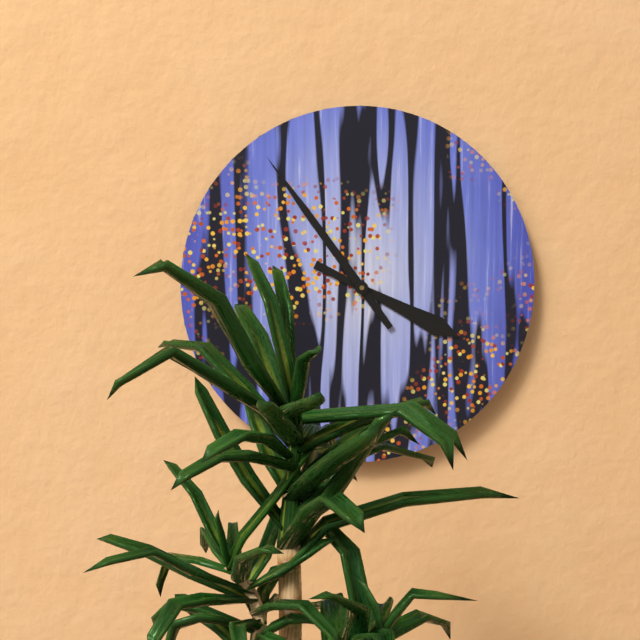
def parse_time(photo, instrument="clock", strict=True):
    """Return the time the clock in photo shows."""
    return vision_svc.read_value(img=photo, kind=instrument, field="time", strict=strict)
3:54
